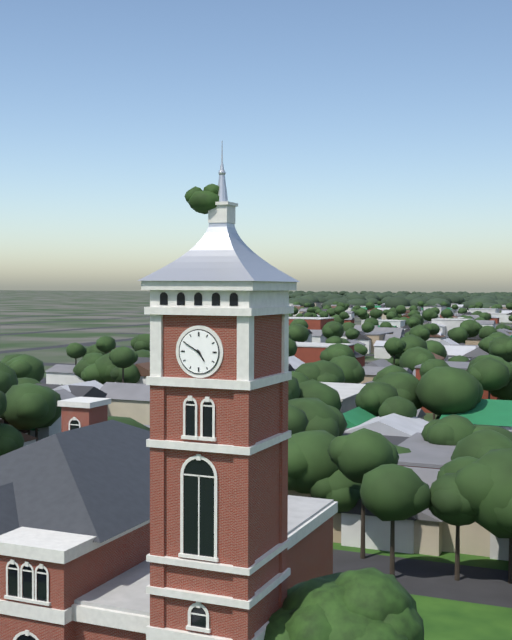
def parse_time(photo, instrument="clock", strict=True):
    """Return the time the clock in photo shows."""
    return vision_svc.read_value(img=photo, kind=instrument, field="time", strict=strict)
4:50
